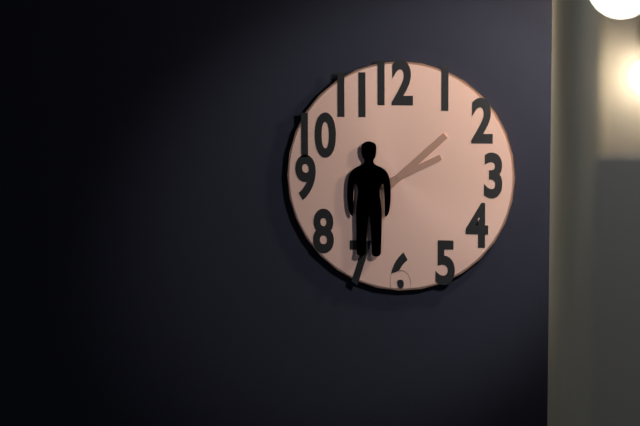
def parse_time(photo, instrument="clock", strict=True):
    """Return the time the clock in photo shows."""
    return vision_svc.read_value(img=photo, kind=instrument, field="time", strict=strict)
2:08
